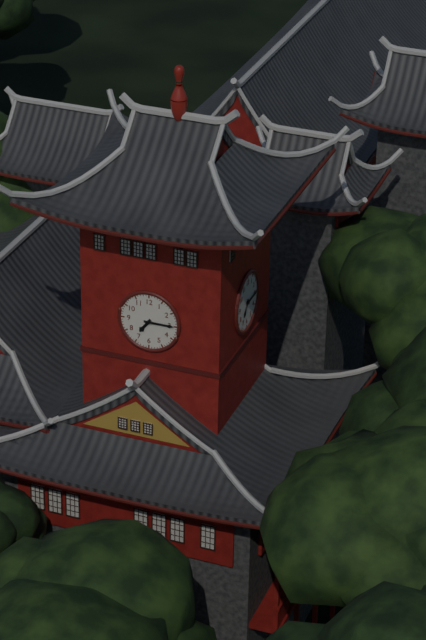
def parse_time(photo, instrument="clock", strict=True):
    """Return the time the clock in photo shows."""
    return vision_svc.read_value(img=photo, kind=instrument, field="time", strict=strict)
7:15
